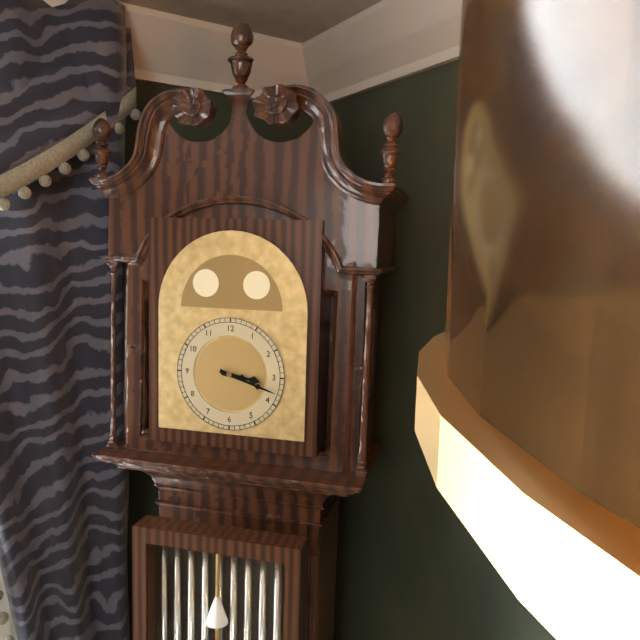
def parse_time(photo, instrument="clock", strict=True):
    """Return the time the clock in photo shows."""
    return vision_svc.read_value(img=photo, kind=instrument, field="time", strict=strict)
3:18
